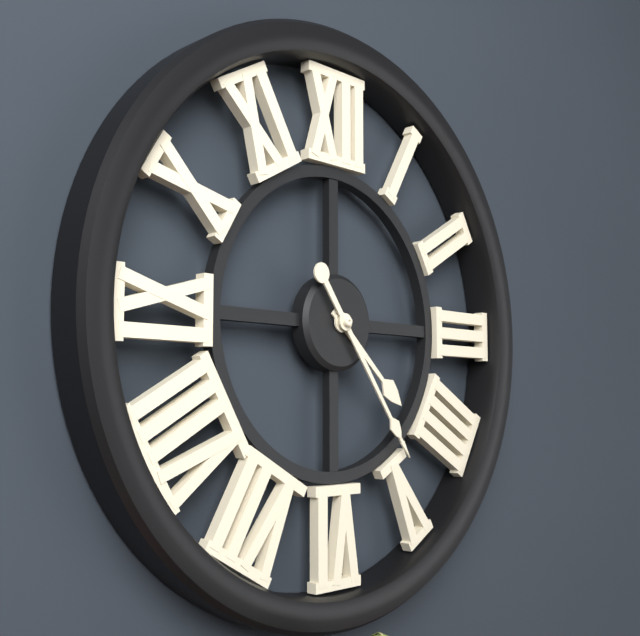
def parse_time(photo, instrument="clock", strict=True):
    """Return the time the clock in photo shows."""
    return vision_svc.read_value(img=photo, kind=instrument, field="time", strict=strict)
4:24
